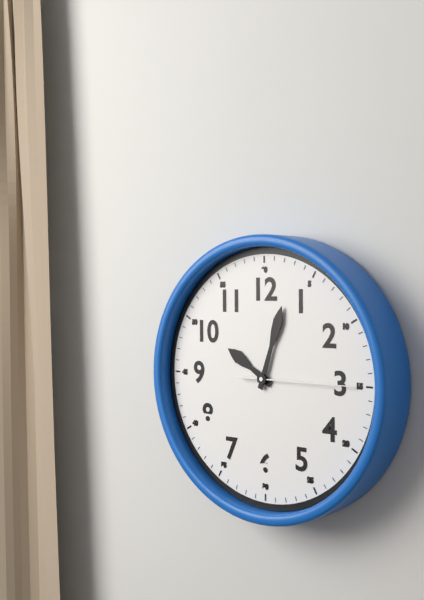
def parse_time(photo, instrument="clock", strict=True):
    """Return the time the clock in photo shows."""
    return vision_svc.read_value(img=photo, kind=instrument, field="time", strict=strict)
10:03:15
